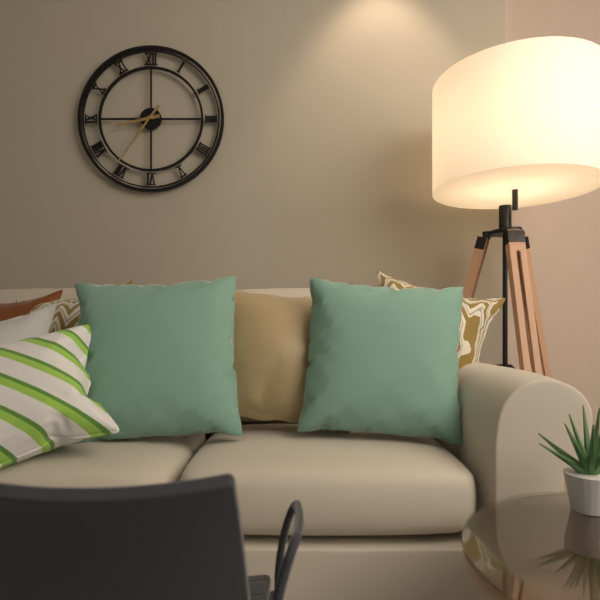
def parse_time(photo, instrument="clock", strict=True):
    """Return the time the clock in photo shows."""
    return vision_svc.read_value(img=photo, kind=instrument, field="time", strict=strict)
8:36
